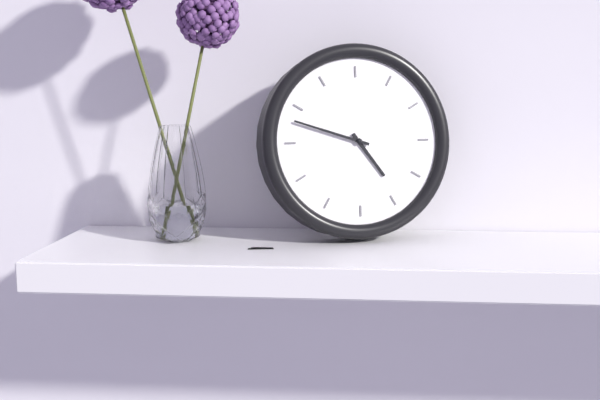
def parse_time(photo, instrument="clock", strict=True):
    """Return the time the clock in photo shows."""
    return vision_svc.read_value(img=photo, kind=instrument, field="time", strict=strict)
4:48
